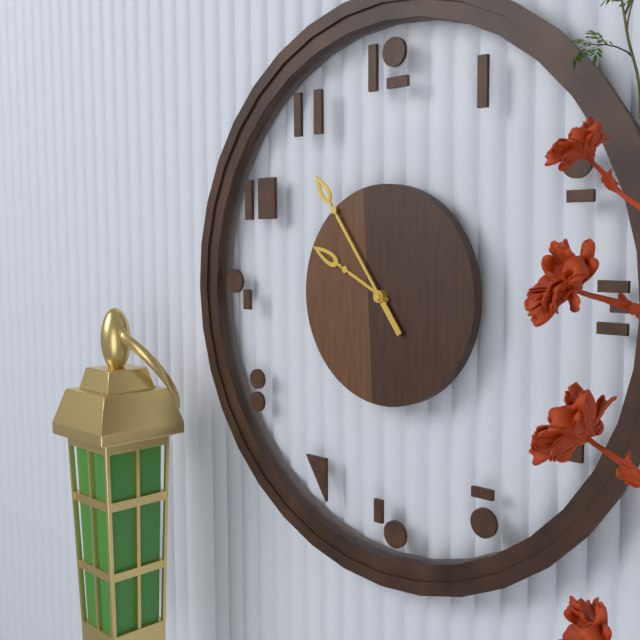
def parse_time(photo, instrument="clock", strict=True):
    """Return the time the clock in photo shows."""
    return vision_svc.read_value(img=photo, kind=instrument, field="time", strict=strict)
9:54
